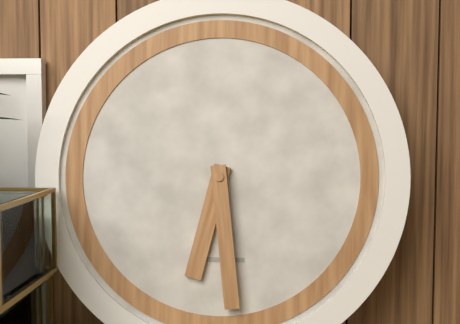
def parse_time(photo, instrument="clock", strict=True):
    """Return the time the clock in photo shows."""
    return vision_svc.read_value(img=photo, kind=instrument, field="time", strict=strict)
6:29
